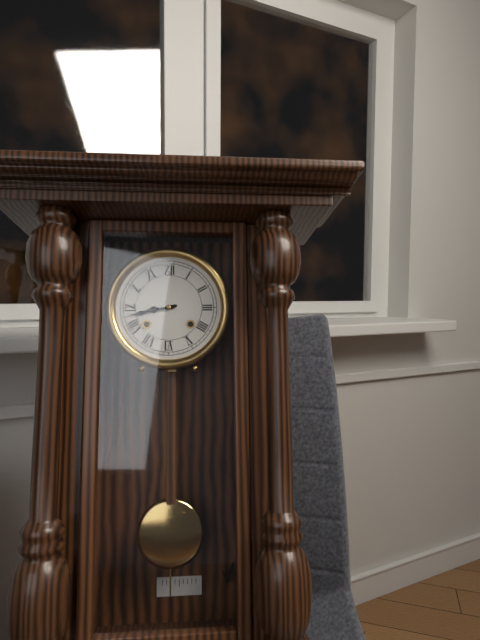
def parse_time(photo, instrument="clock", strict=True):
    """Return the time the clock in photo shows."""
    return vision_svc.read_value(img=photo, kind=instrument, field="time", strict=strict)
8:43
